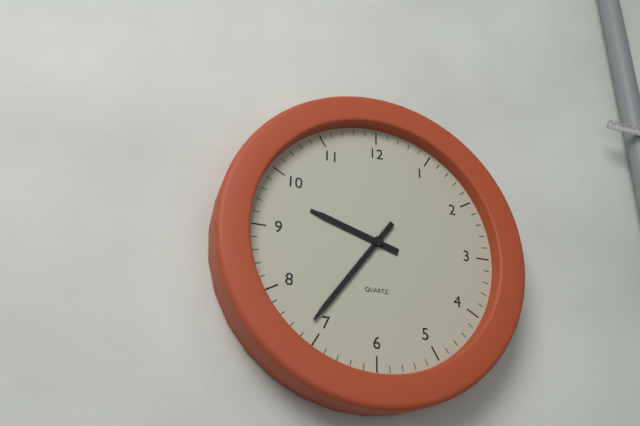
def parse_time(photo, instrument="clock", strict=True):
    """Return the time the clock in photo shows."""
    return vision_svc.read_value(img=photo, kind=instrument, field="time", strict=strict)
9:36
